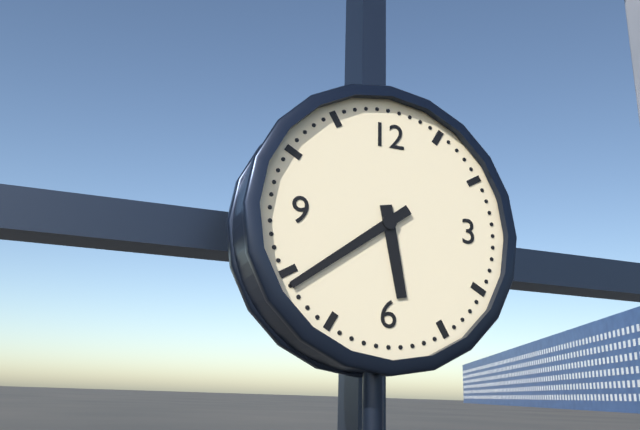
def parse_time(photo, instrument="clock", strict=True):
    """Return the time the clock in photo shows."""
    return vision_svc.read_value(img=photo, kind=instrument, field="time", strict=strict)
5:39
